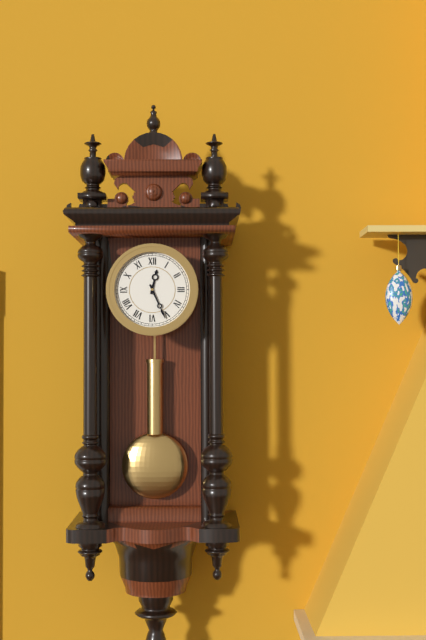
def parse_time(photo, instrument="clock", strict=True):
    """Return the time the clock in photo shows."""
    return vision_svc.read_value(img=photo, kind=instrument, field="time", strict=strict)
12:26
